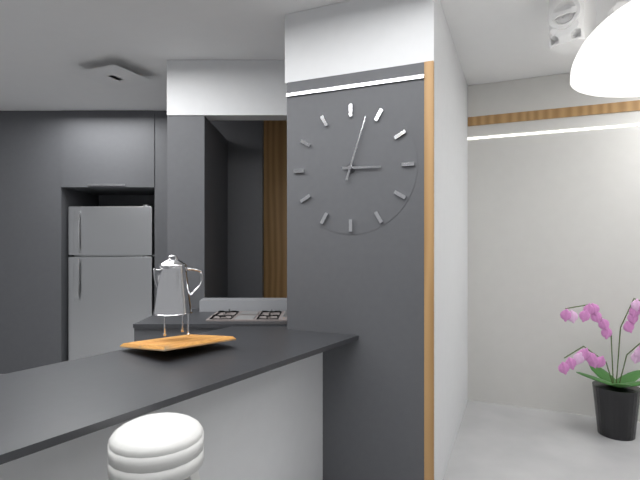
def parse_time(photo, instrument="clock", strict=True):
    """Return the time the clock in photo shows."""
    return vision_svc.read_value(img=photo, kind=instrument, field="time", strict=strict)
3:03
